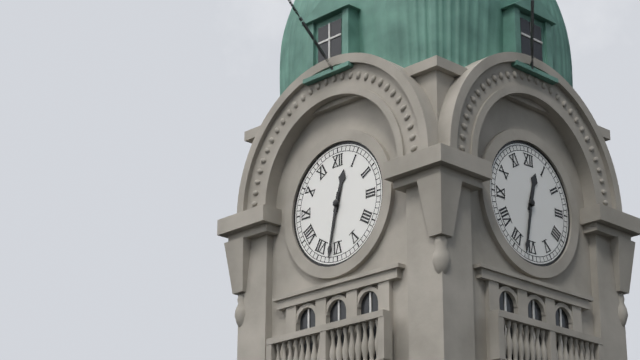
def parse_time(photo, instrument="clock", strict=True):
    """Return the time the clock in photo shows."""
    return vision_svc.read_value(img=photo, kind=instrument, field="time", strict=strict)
12:32
